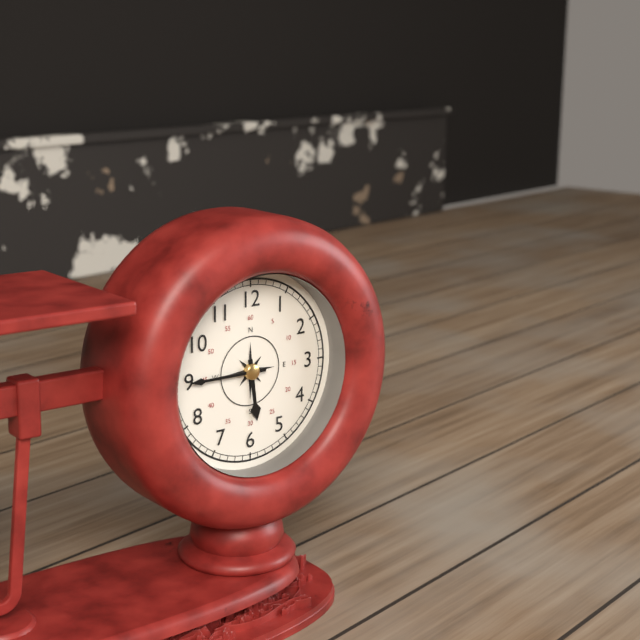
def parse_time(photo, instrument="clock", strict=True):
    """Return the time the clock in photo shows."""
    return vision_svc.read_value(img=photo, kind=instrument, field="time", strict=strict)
5:45
